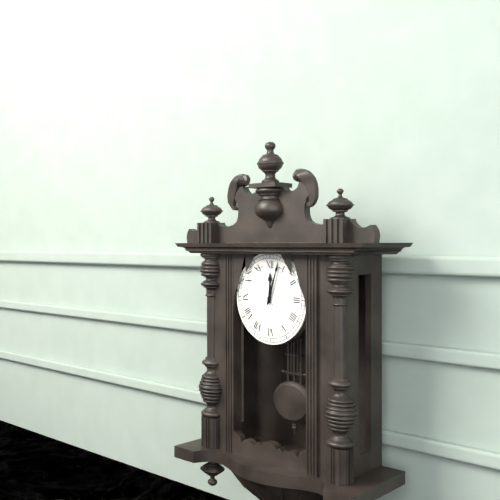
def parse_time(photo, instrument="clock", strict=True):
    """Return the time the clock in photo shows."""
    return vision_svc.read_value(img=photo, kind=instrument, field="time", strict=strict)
12:03
